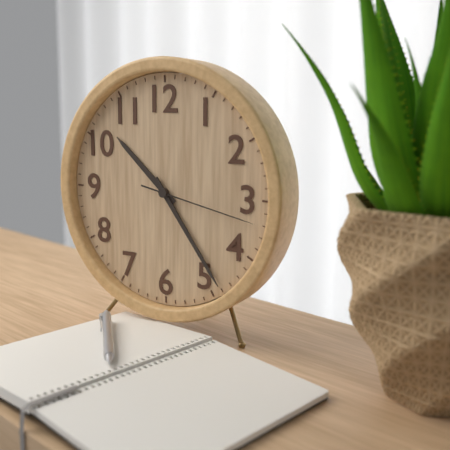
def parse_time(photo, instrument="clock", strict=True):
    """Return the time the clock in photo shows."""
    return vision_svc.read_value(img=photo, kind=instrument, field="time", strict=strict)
10:24:17
